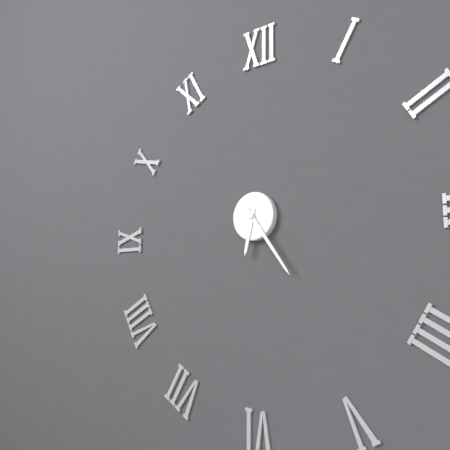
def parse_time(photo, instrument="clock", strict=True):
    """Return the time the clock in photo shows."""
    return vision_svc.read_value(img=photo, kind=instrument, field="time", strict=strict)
6:24
